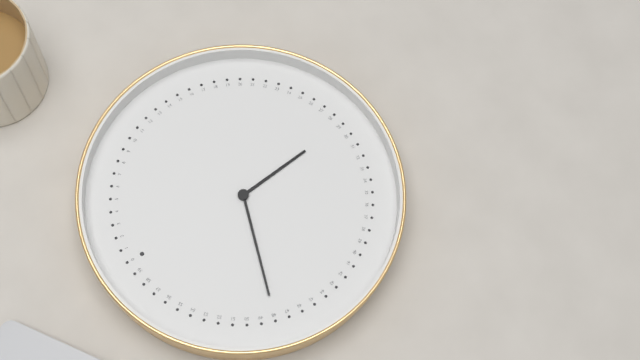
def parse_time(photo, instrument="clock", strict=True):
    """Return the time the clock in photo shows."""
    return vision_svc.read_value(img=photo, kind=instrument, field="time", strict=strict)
5:48
